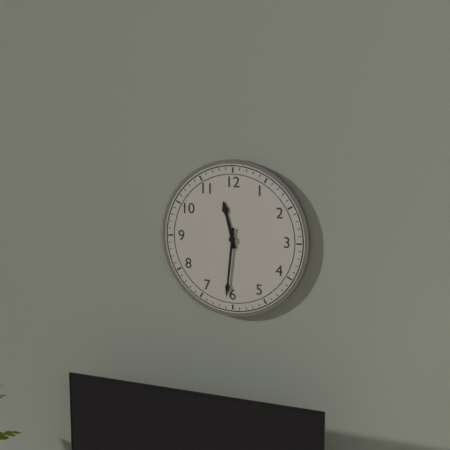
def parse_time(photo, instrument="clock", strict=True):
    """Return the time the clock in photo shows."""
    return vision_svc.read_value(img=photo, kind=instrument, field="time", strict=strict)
11:31
